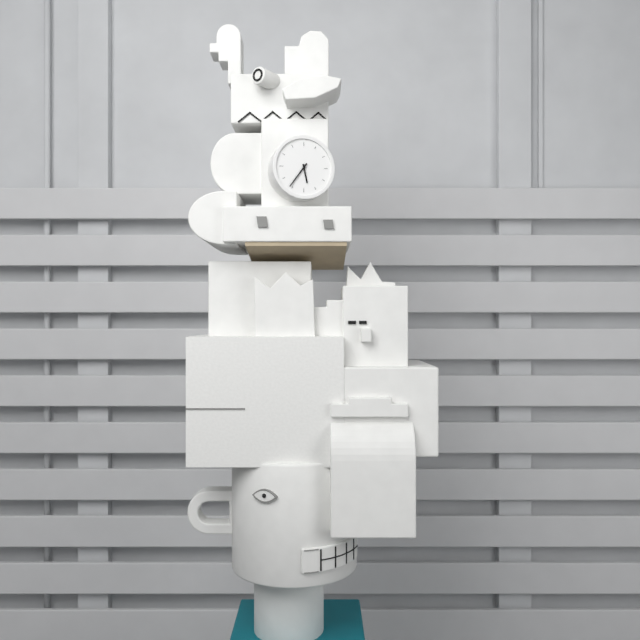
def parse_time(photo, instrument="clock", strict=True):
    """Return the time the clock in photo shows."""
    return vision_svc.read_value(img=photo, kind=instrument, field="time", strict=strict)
5:36
